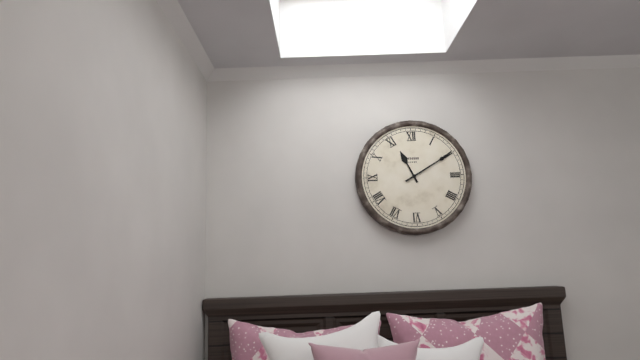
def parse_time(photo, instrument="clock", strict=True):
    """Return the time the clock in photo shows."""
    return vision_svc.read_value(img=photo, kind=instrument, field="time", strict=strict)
11:10
